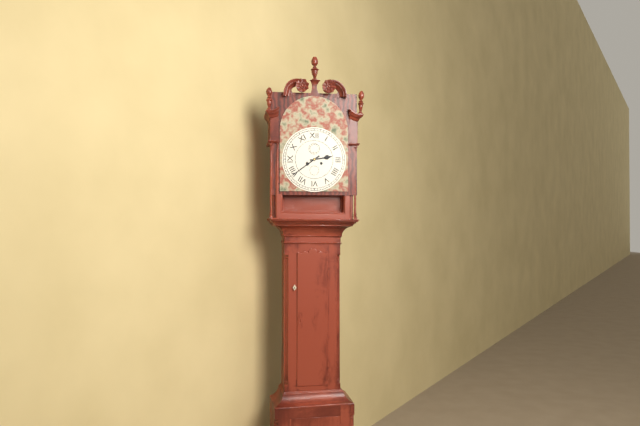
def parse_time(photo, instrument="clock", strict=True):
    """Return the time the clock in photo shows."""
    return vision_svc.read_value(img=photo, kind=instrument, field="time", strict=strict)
2:39
